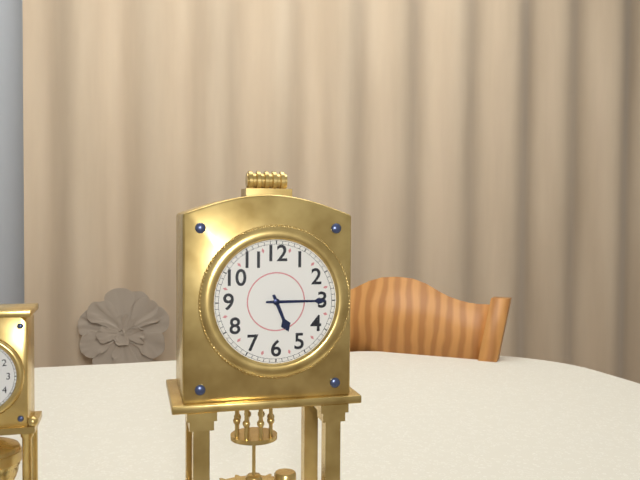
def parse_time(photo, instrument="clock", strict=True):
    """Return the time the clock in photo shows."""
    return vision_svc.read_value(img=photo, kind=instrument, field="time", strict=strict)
5:15
